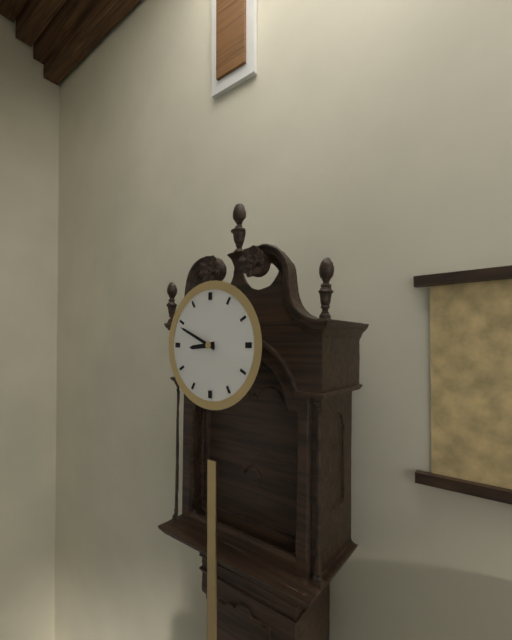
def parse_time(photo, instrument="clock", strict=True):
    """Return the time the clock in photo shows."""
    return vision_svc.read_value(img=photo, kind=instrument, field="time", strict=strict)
8:49
